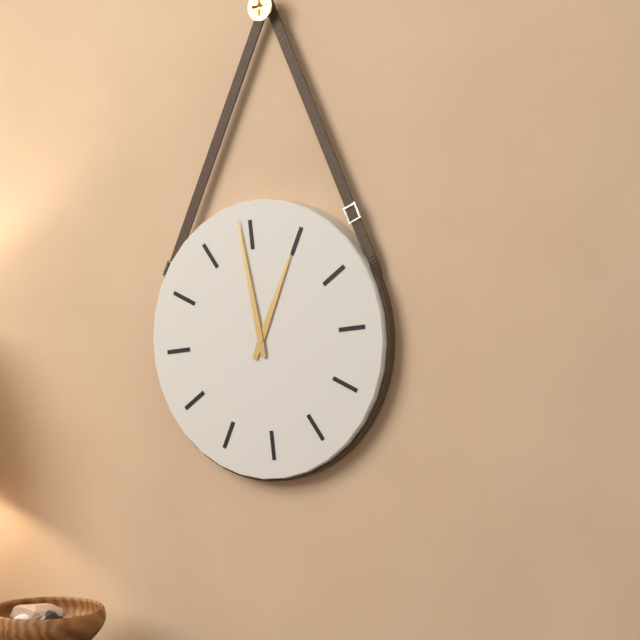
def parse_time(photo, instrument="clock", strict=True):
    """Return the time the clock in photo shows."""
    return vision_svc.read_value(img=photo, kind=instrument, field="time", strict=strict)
12:59
